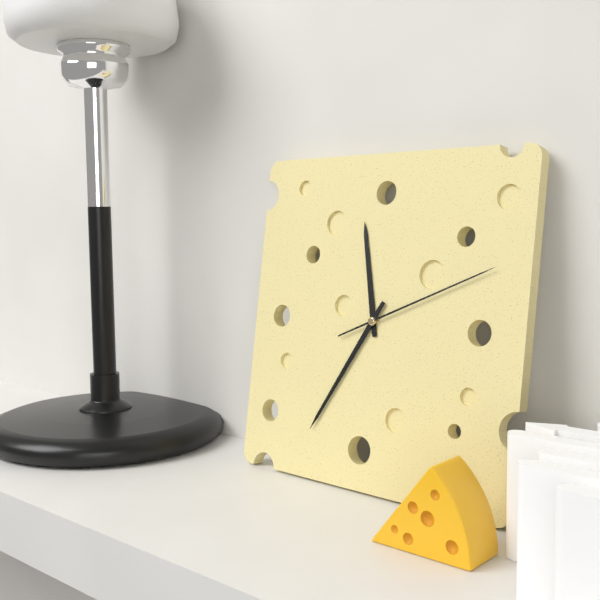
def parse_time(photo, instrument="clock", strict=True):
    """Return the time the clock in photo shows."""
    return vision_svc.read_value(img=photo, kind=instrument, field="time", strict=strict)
11:35:11
